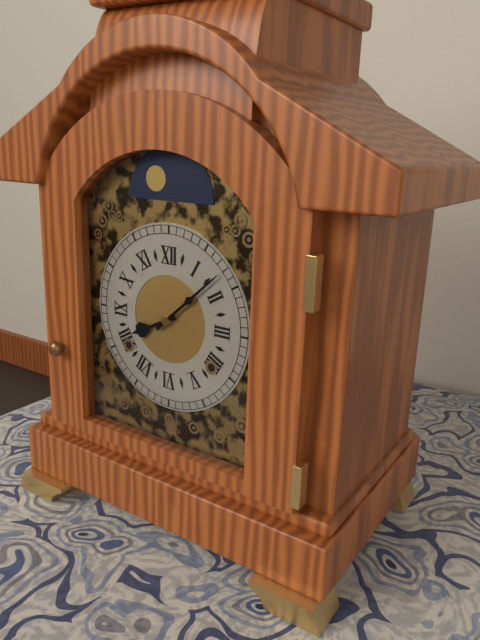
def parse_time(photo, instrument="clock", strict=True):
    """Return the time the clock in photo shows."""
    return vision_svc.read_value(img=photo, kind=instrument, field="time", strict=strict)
8:08
